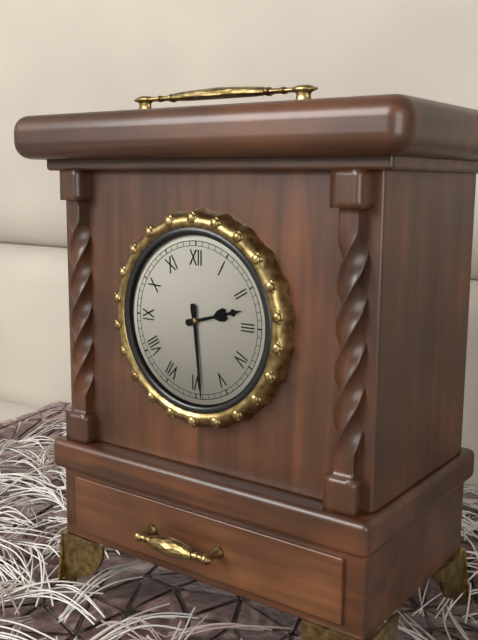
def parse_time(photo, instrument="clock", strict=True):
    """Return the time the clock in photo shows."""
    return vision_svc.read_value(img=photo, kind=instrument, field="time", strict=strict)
2:29
